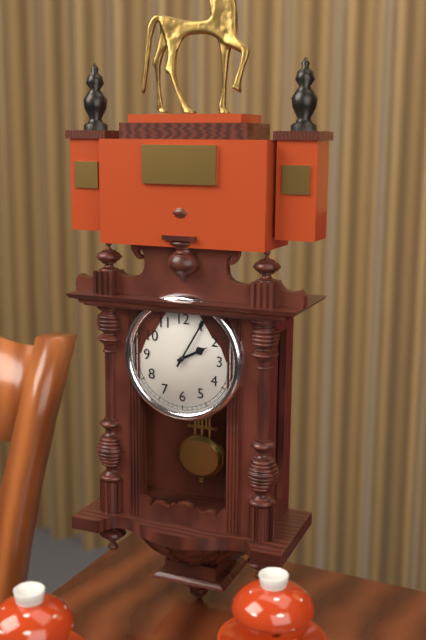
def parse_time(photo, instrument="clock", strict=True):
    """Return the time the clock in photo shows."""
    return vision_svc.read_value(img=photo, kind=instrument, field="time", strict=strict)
2:05
